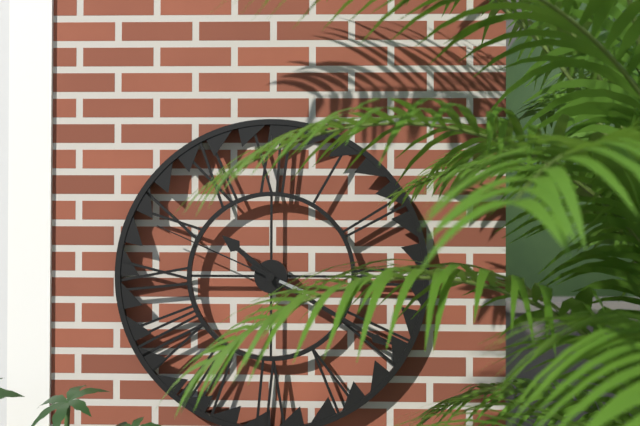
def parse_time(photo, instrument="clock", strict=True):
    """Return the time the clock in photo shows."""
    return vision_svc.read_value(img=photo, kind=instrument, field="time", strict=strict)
10:20:49
